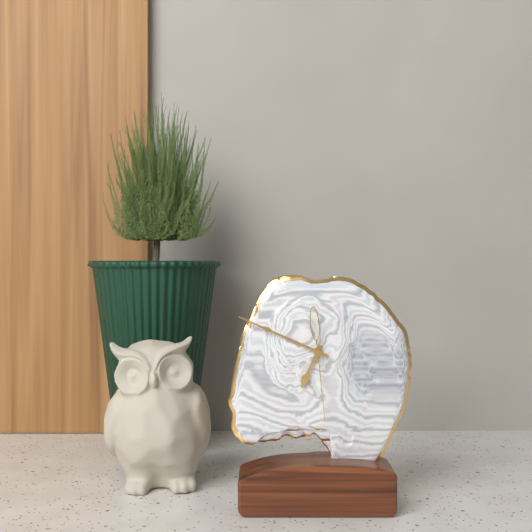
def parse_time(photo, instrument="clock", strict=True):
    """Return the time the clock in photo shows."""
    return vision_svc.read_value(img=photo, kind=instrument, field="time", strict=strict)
6:49:29
